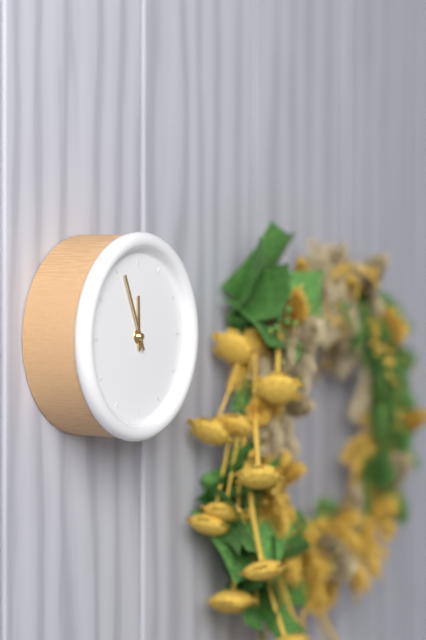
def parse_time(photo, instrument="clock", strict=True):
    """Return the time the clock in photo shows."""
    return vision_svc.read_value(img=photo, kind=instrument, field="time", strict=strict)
11:56
